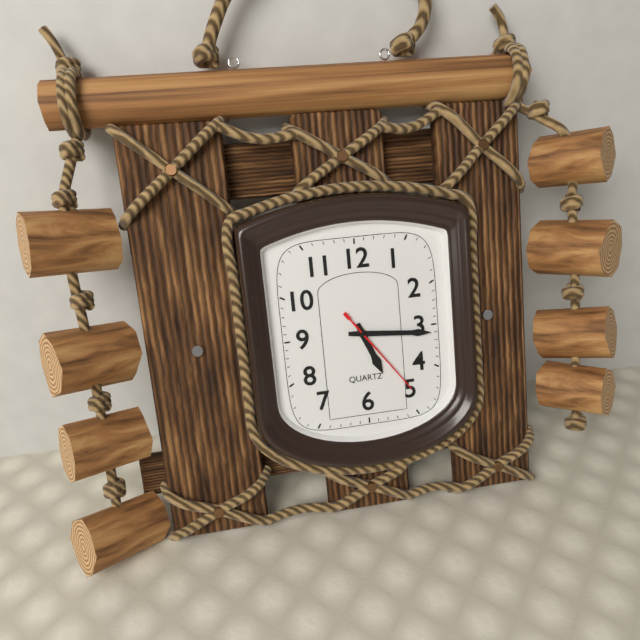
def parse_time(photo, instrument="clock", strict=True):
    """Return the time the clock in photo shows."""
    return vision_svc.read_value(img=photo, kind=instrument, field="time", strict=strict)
5:16:24
